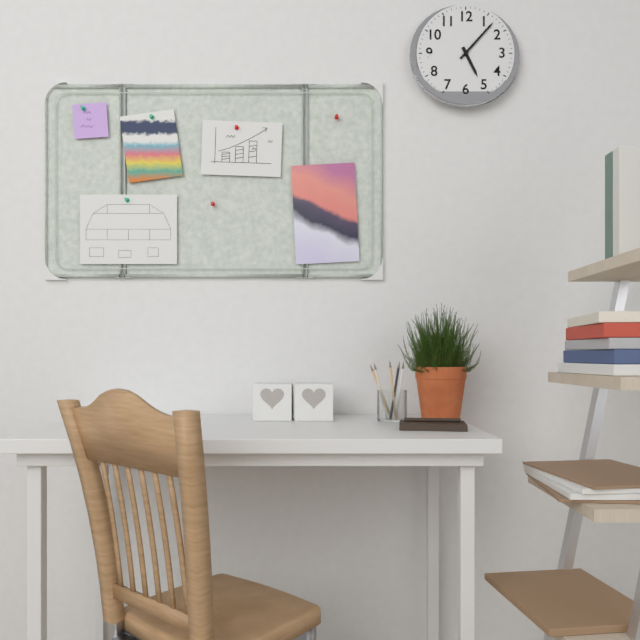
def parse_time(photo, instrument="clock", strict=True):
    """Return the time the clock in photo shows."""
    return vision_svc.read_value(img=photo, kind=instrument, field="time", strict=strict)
5:07
